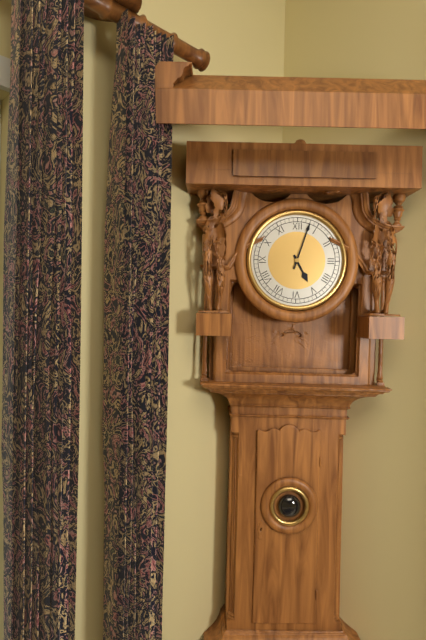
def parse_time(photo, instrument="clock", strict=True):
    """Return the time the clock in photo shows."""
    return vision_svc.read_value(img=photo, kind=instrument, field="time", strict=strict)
5:03
